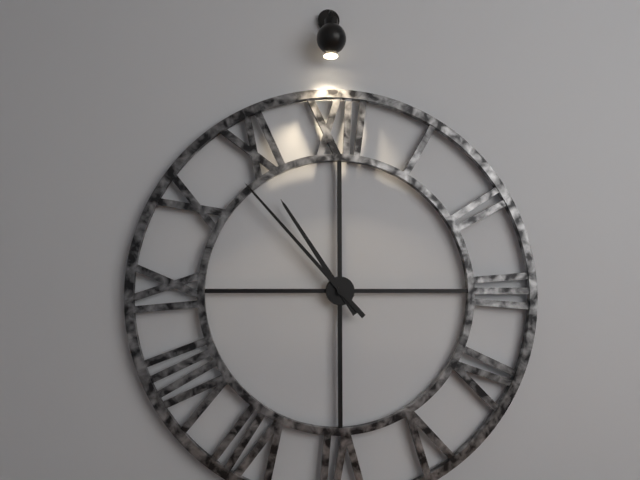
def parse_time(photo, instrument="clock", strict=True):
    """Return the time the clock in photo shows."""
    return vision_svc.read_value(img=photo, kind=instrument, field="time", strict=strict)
10:53
